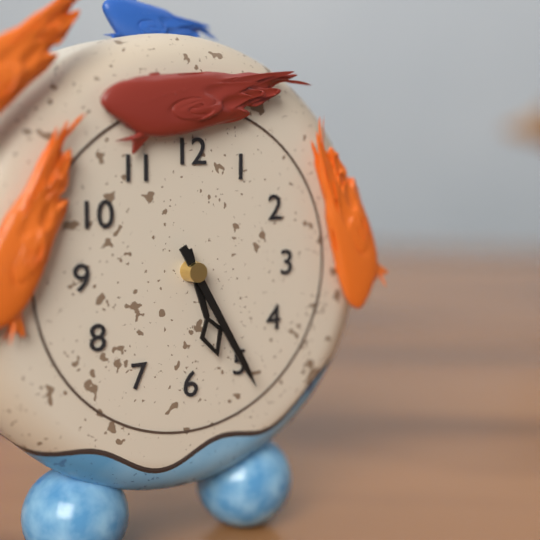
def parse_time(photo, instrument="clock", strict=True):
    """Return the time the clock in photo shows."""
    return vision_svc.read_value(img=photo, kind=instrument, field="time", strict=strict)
5:25
